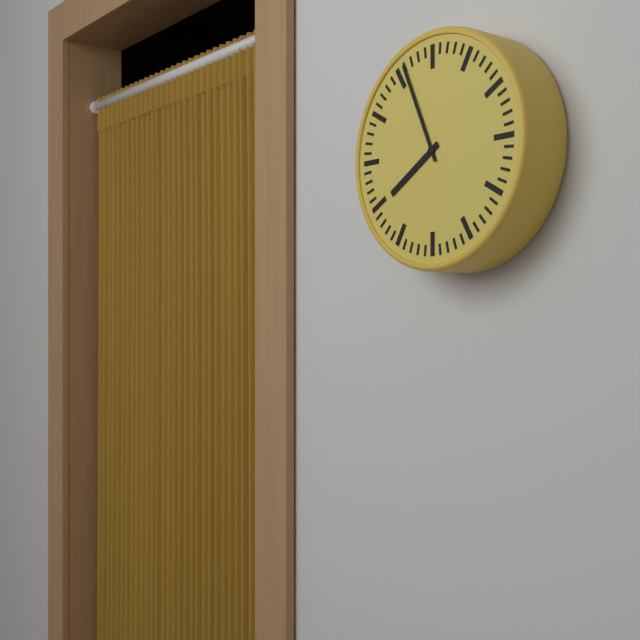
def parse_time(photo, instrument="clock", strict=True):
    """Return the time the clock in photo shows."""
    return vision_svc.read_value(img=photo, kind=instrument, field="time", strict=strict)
7:56
